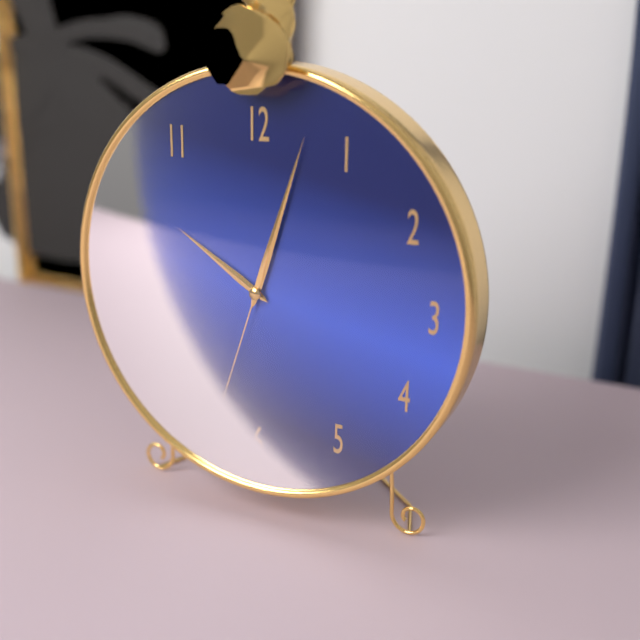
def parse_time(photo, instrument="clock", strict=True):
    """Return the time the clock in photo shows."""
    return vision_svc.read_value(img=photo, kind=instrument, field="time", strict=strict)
10:03:33
